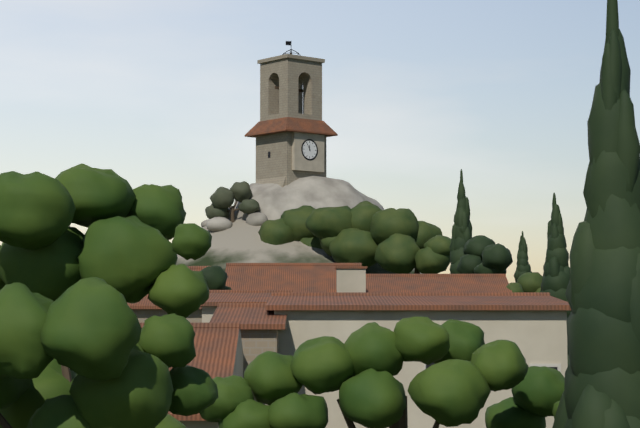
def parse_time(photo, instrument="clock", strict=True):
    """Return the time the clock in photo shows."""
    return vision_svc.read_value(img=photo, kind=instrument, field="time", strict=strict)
11:55
